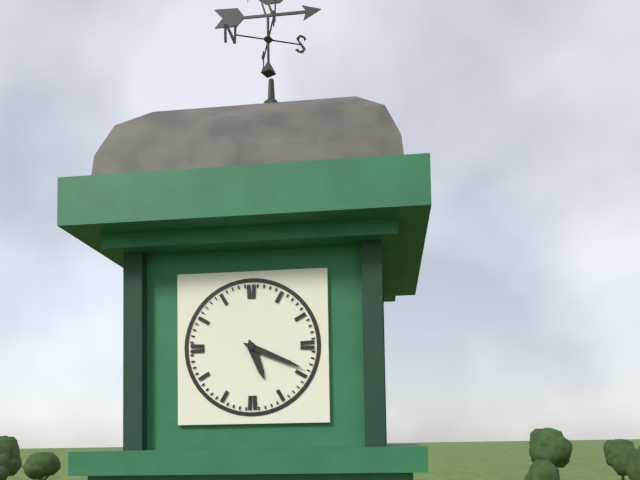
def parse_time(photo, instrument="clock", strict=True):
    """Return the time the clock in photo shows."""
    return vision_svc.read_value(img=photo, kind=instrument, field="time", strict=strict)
5:19
